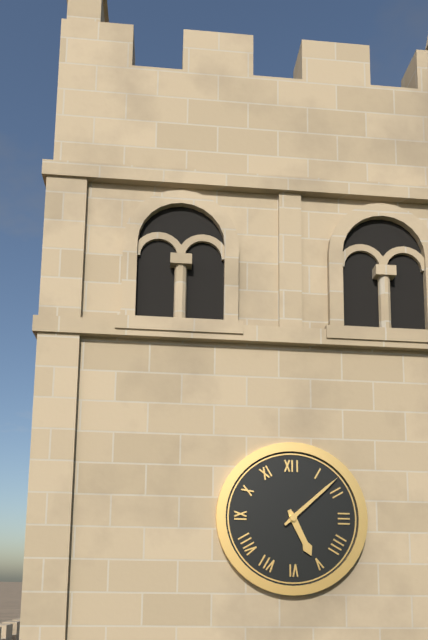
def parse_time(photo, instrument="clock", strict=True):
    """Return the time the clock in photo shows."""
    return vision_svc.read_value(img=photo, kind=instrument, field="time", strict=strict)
5:08
